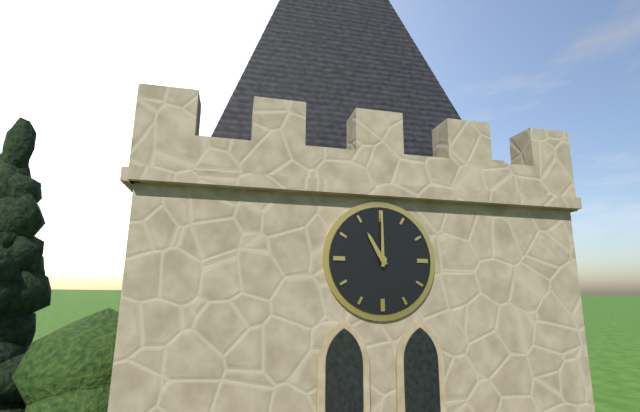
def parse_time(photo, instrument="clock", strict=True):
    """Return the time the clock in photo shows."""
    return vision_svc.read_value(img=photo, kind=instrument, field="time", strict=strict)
11:00
